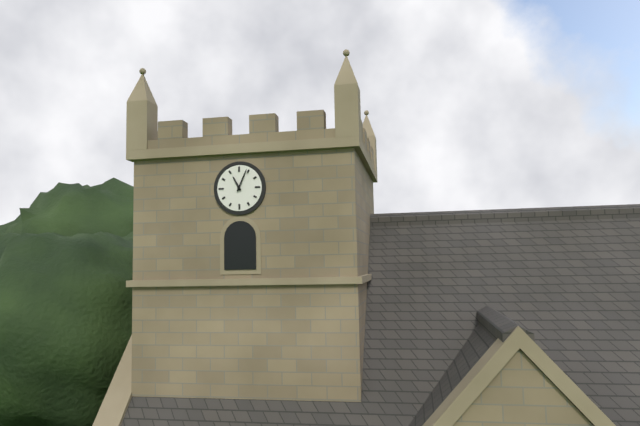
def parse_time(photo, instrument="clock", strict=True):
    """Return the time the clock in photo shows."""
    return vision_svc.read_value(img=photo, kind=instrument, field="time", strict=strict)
11:04
